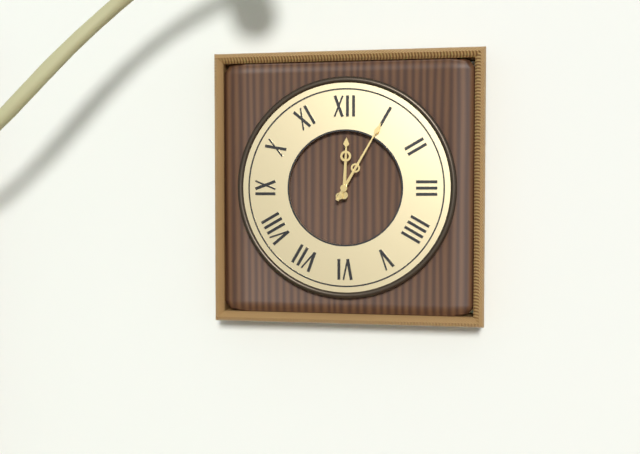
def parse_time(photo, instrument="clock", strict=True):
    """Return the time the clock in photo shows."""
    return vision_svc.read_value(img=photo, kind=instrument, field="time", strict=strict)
12:05
